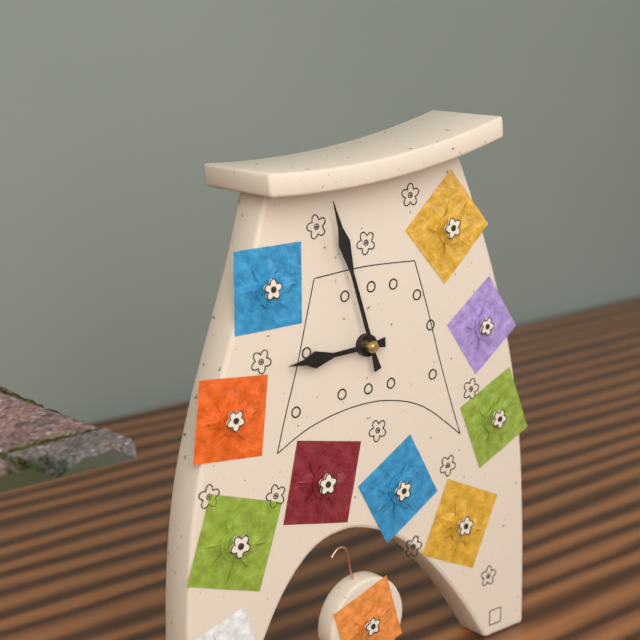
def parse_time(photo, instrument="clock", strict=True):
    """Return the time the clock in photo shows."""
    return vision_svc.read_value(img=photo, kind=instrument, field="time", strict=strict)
8:57
